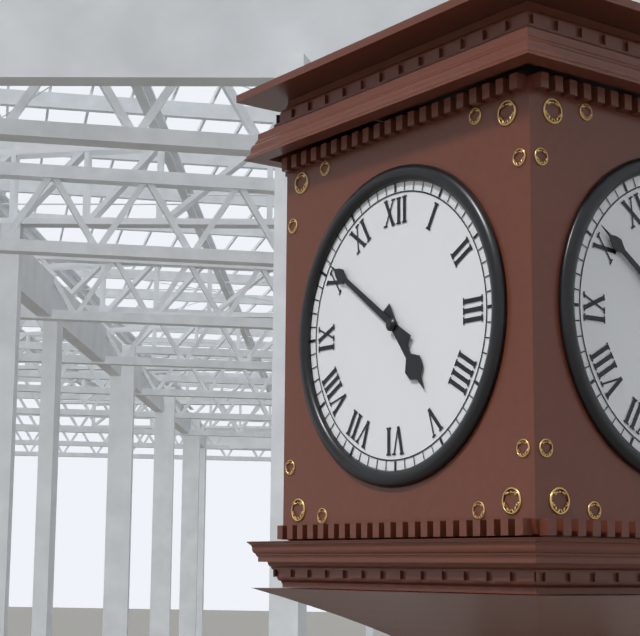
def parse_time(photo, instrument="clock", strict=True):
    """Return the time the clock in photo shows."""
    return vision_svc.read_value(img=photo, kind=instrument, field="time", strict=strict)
4:51
